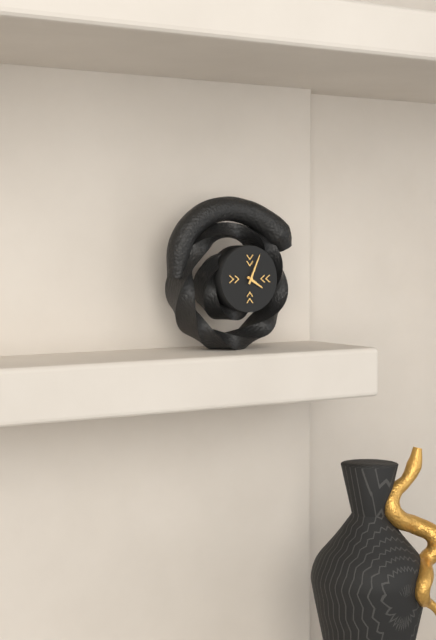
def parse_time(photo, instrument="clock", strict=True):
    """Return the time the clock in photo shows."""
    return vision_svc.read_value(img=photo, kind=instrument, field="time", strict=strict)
4:04
